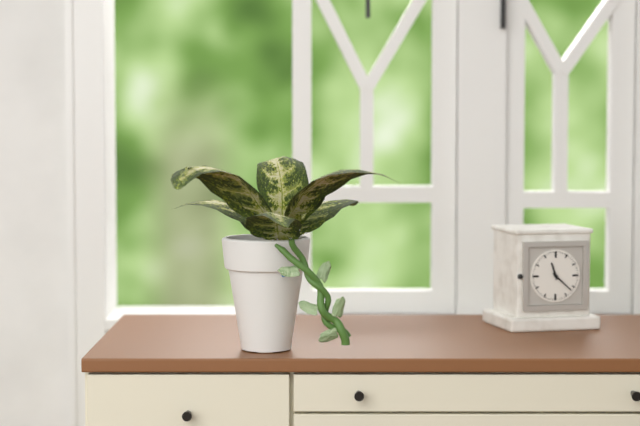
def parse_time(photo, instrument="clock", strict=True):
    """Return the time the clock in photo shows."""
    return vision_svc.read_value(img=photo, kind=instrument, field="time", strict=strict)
11:22
